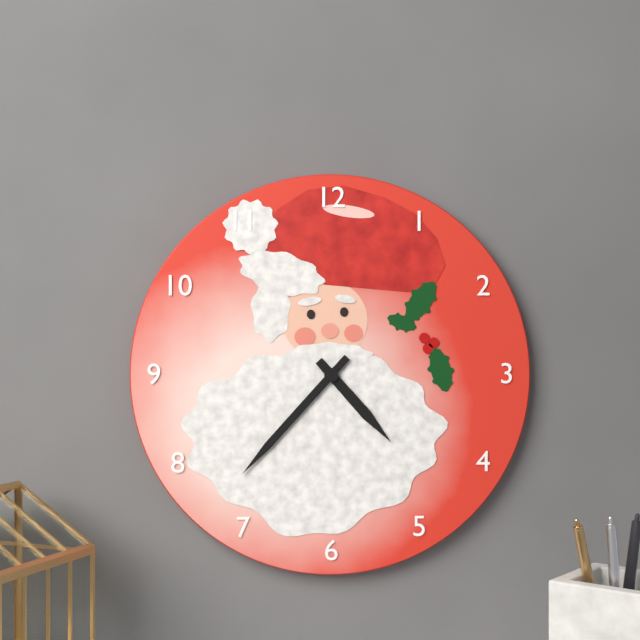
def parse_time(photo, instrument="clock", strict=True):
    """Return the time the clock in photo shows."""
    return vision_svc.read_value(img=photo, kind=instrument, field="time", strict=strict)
4:37
